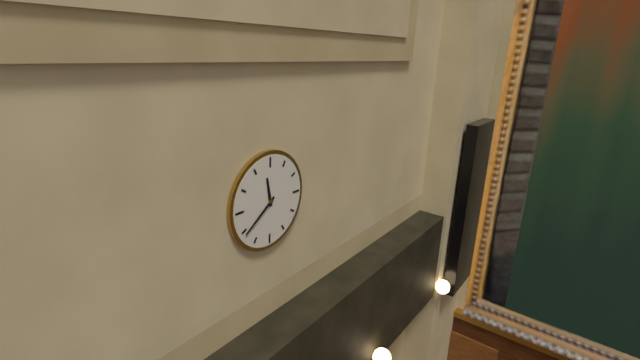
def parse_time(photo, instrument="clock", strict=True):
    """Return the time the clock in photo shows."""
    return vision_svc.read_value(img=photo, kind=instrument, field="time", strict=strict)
11:39
